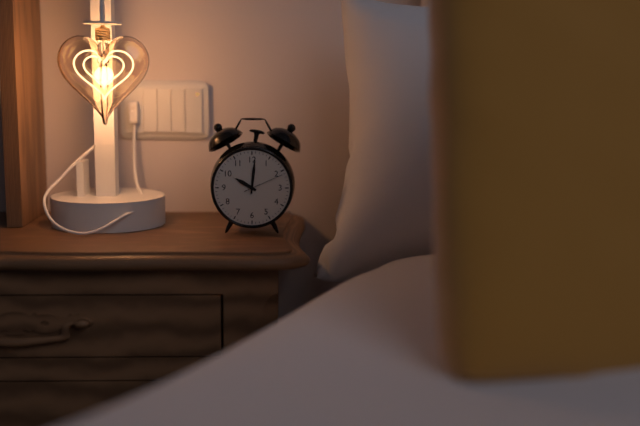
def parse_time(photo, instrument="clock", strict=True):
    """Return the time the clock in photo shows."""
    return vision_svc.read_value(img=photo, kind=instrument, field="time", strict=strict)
10:01
